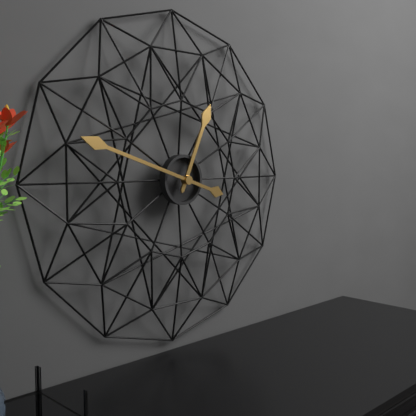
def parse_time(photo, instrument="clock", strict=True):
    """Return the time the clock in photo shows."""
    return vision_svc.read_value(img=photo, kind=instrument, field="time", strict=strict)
12:48
